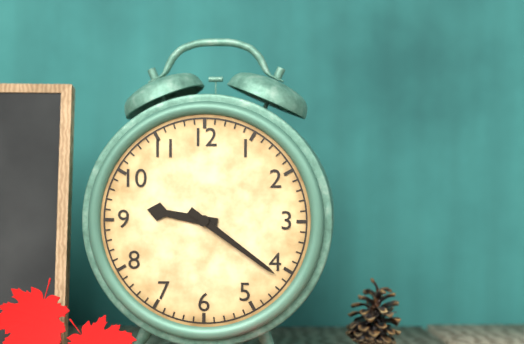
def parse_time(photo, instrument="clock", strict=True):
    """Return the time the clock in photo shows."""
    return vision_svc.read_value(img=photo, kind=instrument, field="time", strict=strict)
9:21
